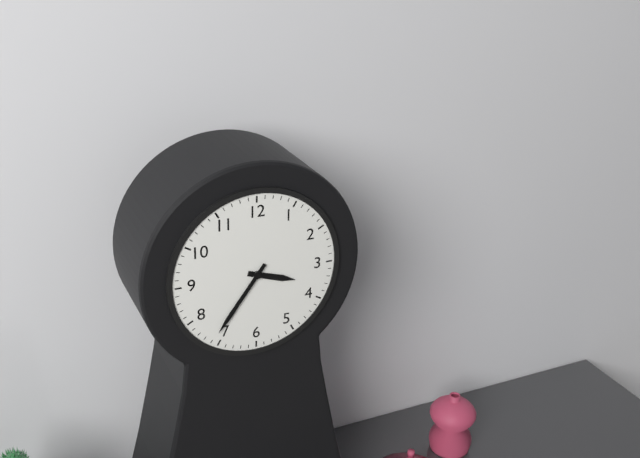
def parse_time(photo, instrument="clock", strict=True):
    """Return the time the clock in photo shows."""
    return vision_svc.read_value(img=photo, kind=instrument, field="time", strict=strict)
3:36
